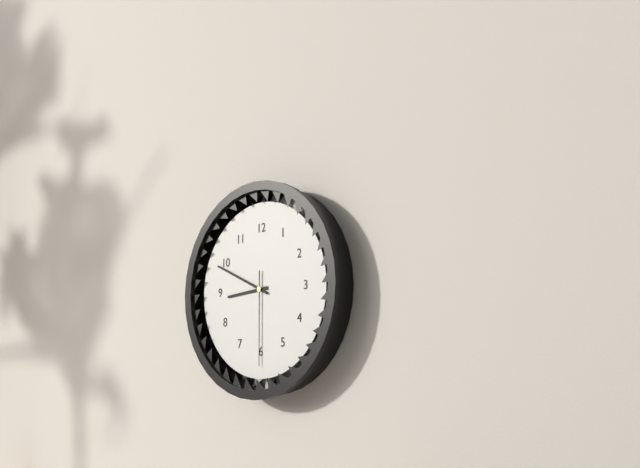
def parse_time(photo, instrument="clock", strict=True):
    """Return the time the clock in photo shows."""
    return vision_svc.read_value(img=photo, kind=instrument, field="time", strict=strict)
8:49:30
